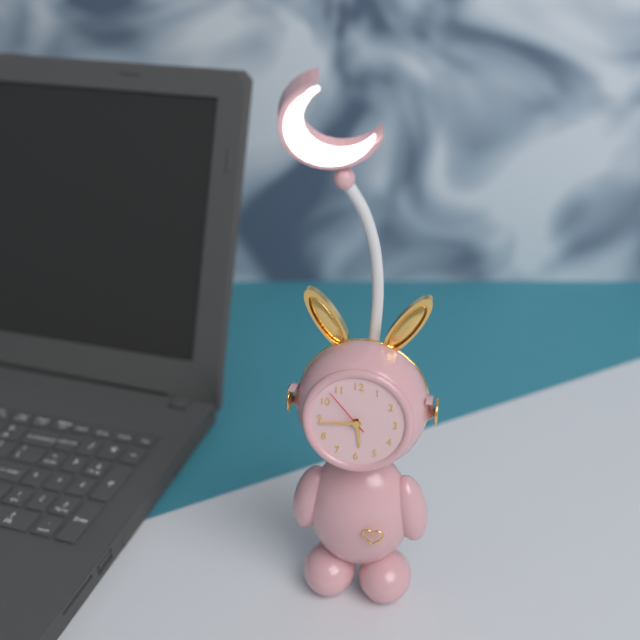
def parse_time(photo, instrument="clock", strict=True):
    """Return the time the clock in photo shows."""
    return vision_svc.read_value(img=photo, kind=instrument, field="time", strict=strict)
5:44:53
